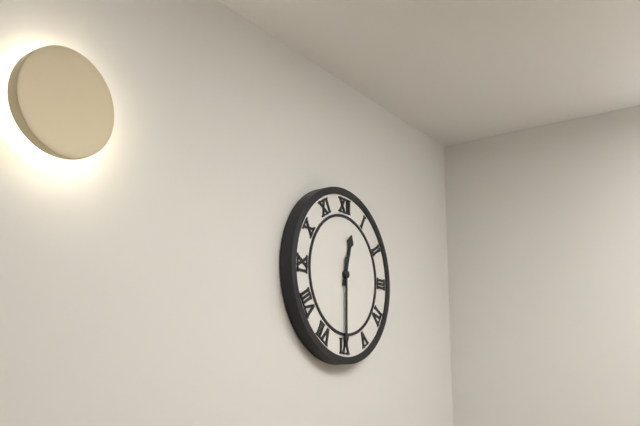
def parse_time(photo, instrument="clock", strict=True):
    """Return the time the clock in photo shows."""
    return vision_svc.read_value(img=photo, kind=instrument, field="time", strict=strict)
12:30
